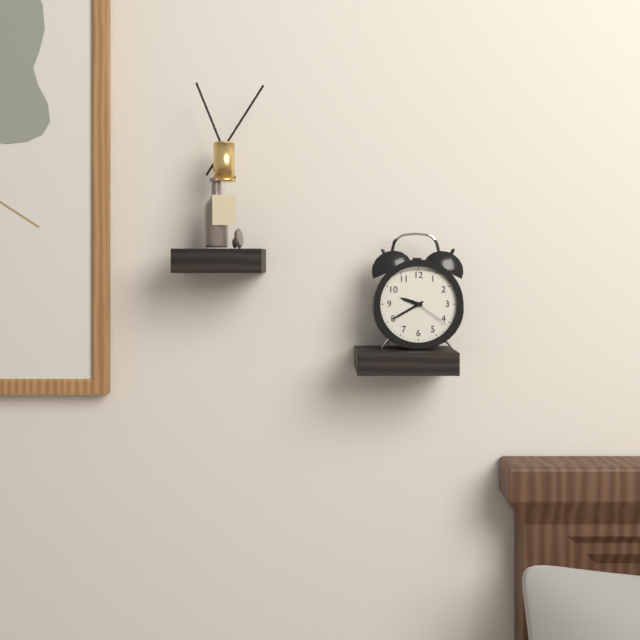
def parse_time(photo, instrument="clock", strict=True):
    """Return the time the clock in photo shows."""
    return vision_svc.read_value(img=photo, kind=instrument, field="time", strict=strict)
9:40
